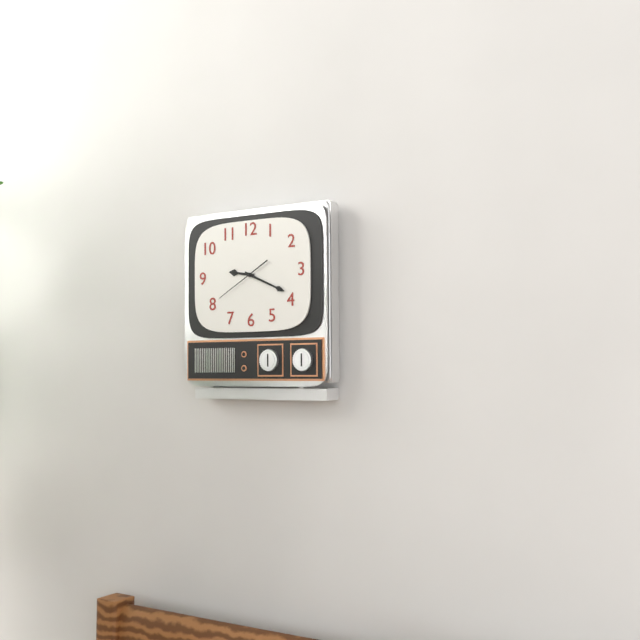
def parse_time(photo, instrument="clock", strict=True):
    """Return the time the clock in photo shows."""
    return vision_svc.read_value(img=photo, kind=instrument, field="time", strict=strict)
9:19
